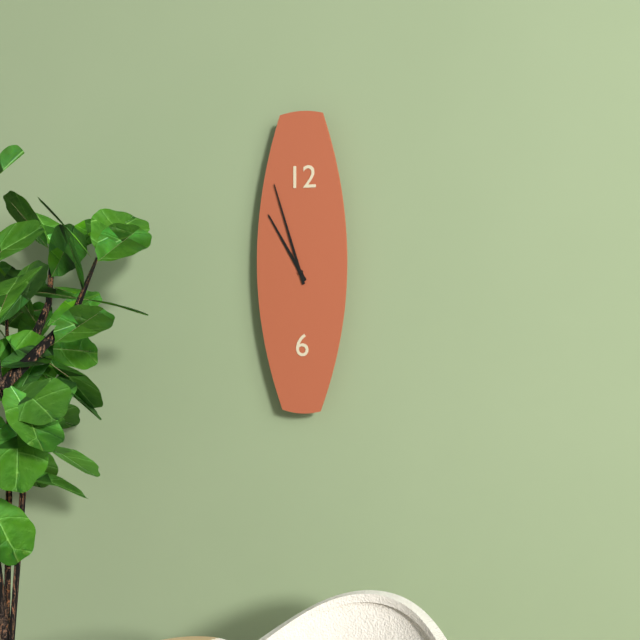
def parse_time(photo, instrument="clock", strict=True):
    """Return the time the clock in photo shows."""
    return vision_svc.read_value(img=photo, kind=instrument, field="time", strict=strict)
10:57
